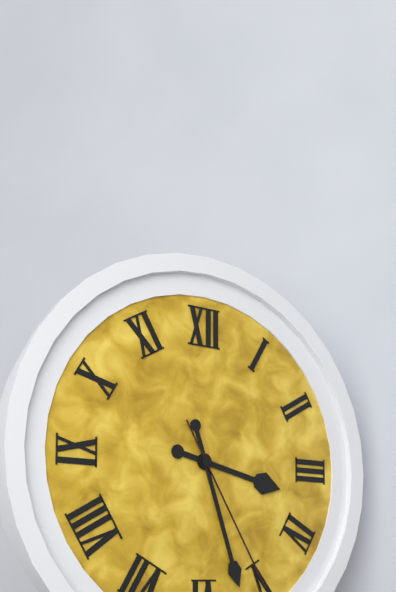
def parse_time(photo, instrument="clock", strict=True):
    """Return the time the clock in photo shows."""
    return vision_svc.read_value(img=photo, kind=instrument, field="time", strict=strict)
3:27:25
